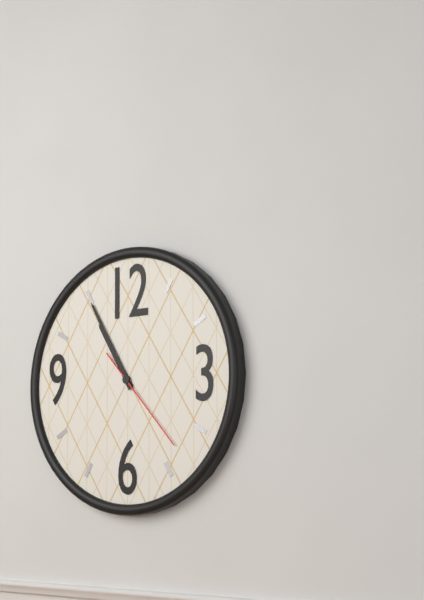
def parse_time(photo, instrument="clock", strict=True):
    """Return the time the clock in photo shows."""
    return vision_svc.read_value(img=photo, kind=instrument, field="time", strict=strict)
10:55:23
